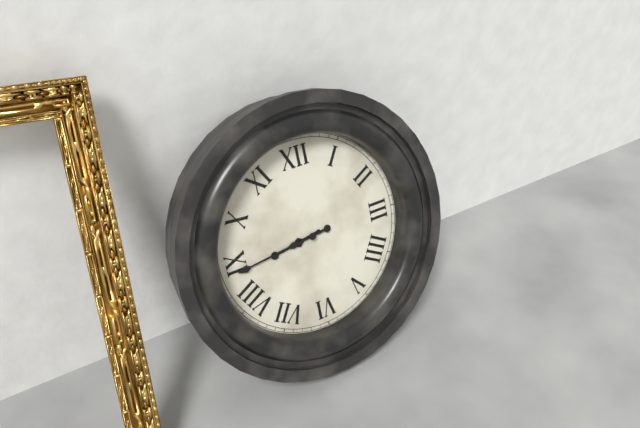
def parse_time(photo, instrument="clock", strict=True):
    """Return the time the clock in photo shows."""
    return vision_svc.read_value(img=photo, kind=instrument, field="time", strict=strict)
8:44
